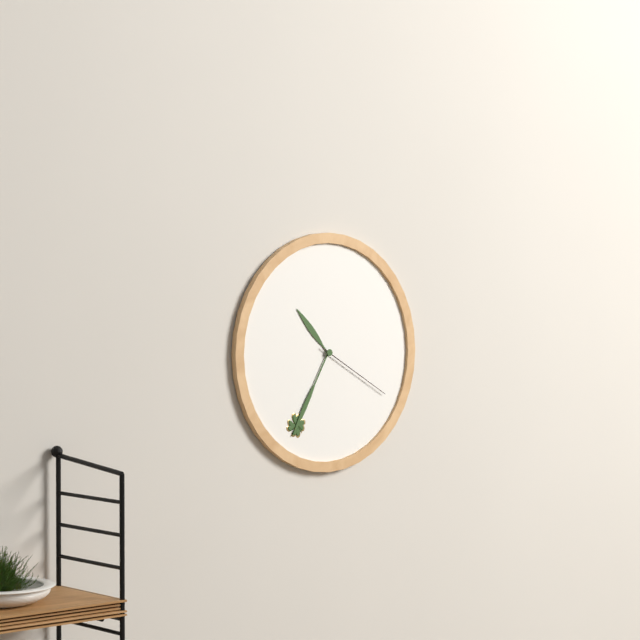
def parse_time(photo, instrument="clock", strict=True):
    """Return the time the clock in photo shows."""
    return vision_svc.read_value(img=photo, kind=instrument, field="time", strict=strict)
10:35:20
